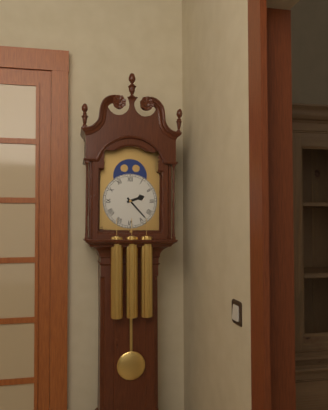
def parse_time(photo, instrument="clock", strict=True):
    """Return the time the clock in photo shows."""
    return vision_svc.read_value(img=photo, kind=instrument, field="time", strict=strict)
2:23
